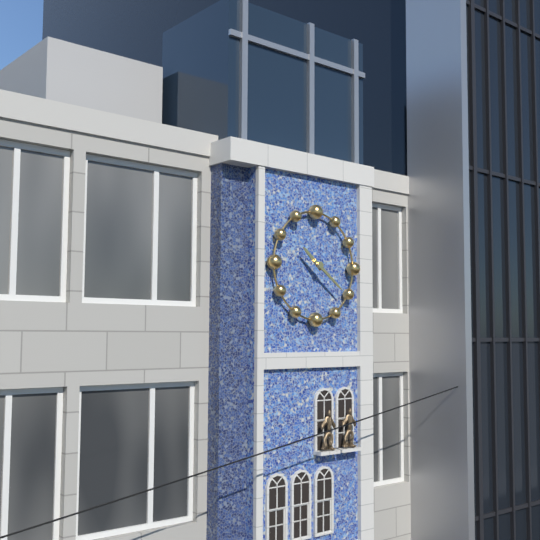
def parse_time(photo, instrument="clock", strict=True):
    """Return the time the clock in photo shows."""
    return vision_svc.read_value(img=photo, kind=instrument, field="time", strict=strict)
10:21
